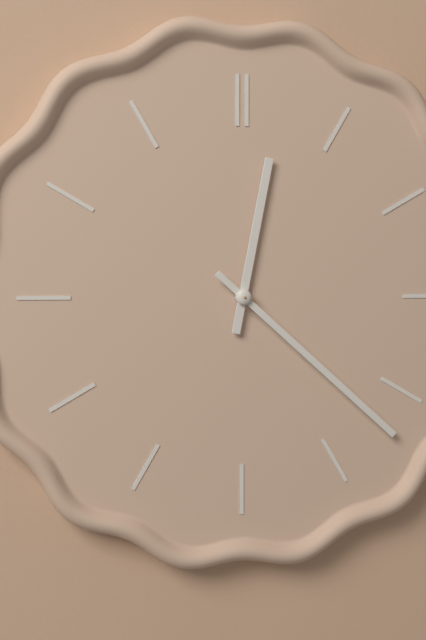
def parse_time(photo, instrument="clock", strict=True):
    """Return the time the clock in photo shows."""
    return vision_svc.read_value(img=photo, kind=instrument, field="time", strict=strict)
12:22
